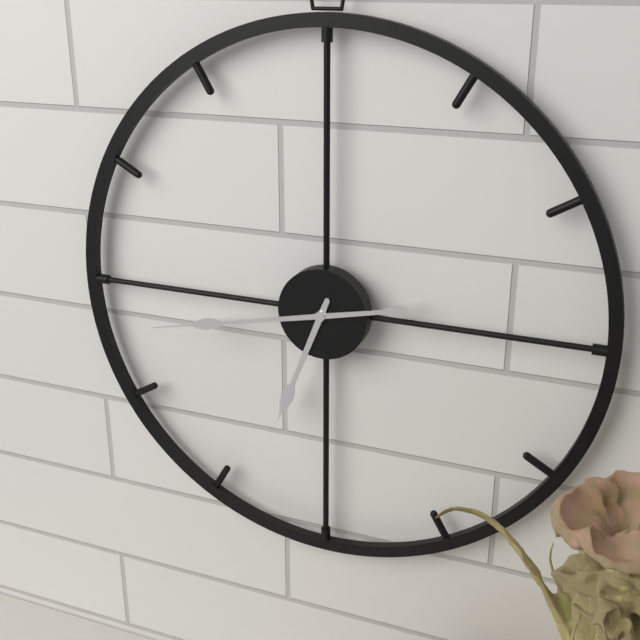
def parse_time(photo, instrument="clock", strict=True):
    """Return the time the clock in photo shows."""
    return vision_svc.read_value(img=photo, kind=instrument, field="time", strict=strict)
6:43
